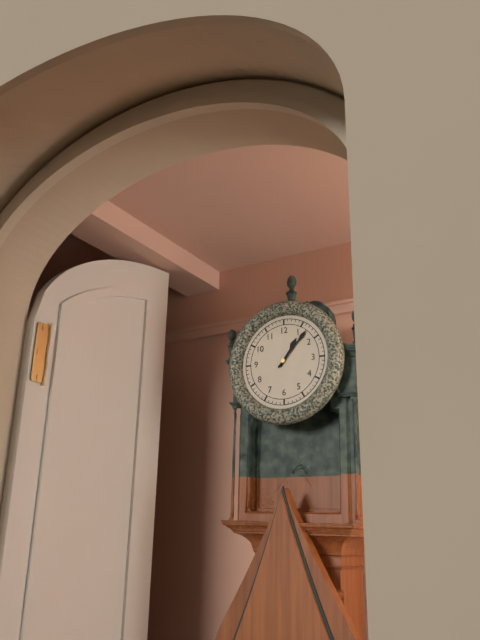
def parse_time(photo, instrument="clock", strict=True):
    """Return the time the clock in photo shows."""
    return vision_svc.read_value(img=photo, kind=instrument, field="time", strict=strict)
1:07
